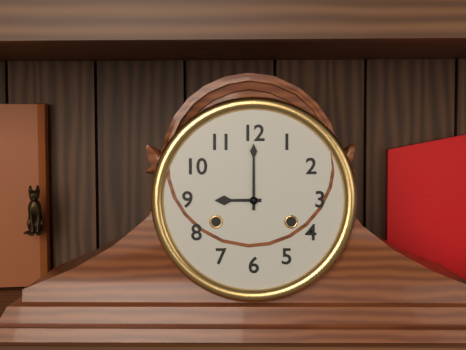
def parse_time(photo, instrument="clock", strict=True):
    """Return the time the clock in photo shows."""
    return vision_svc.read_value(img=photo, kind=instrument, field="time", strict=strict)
9:00
